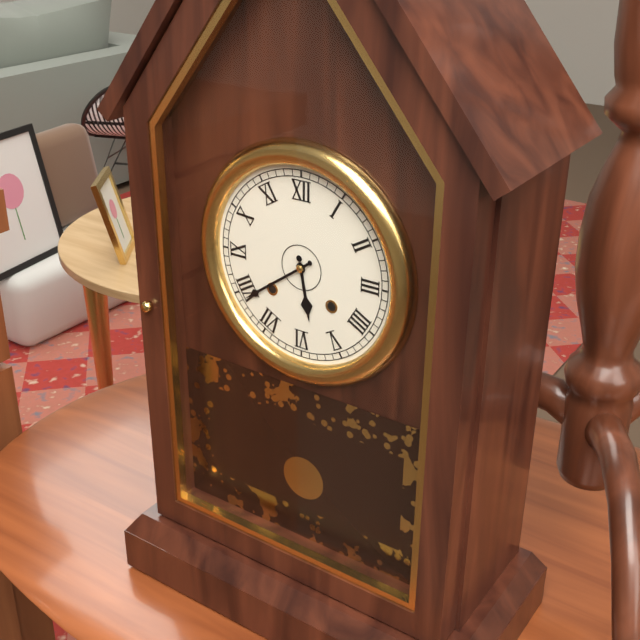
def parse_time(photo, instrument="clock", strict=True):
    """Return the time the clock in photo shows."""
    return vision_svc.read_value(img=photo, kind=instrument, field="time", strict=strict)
5:39
